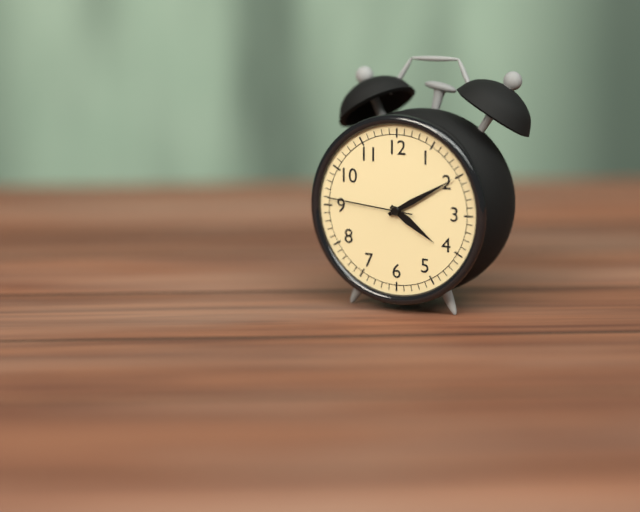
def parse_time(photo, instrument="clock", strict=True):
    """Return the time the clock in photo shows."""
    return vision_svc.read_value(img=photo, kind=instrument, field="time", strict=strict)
4:10:46
